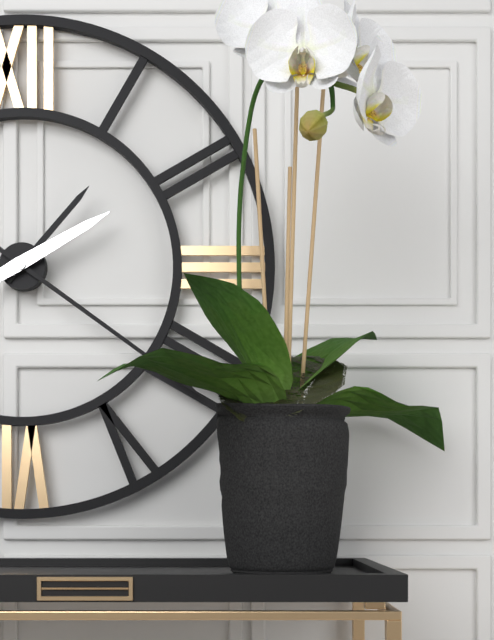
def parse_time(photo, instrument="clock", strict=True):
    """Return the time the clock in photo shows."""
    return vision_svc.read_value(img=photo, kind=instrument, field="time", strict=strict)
1:21:10
